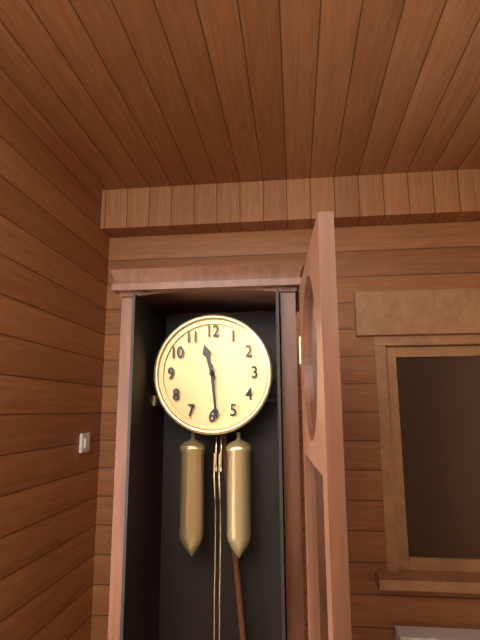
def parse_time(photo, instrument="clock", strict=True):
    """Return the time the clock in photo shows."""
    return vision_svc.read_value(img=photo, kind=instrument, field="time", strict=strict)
11:29
